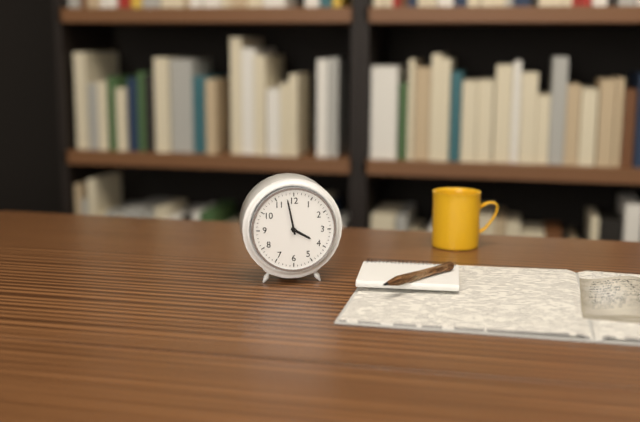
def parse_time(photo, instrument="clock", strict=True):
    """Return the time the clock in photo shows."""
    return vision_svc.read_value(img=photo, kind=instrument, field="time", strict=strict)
3:58
